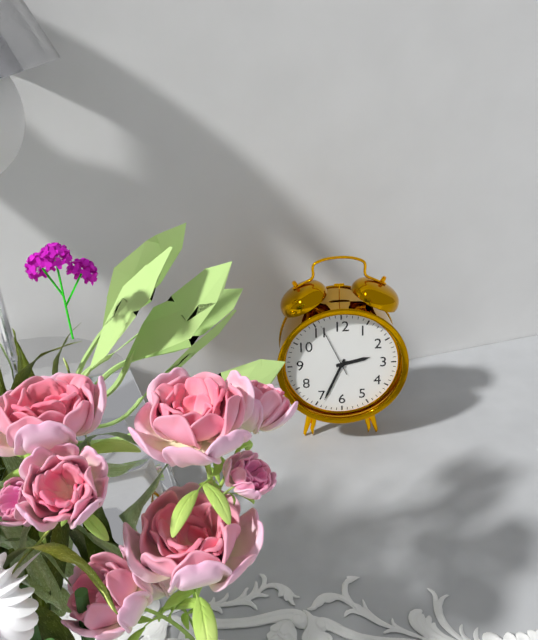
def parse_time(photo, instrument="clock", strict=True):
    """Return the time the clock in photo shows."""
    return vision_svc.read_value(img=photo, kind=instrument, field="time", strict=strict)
2:34:56
